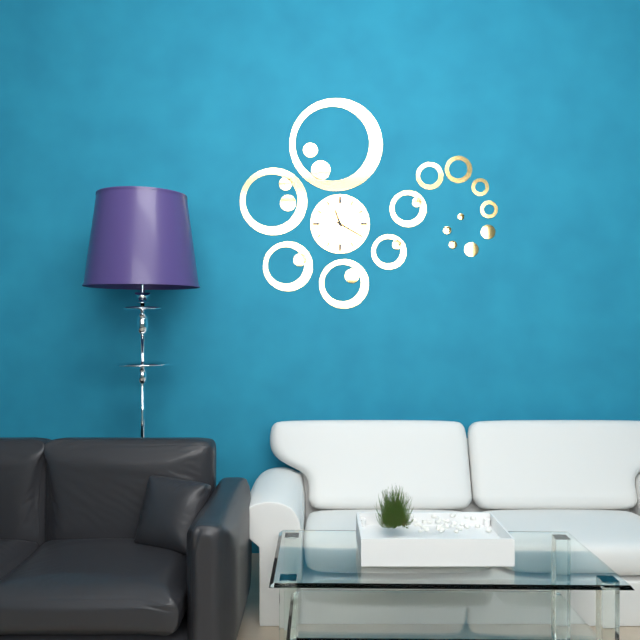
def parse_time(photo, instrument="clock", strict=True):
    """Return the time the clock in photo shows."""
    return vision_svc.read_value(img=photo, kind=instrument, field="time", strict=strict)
11:20
